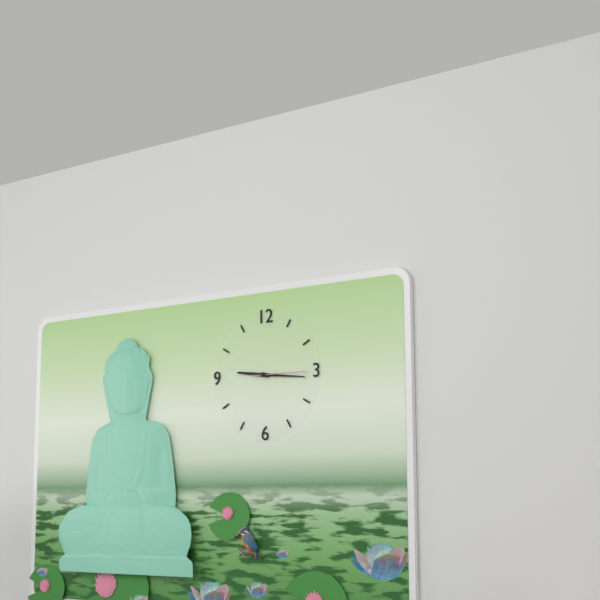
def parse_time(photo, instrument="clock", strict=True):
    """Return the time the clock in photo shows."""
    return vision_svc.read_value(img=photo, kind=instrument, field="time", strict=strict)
9:16:15
